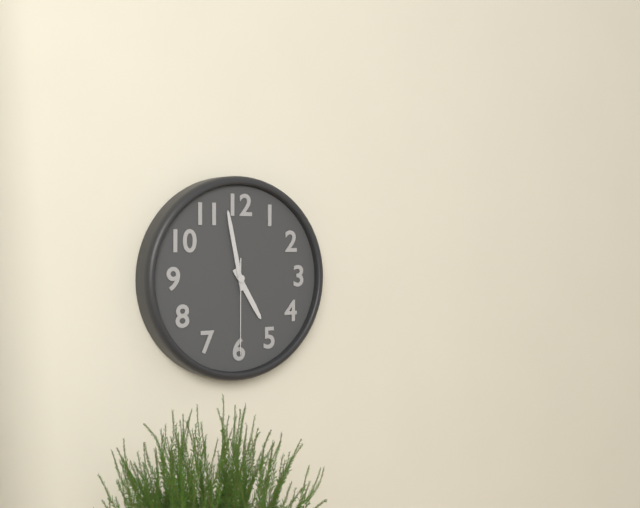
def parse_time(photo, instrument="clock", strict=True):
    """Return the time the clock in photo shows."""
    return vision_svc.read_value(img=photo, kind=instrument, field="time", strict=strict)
4:58:30
